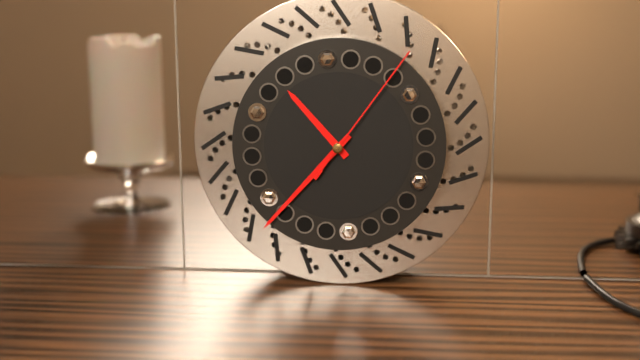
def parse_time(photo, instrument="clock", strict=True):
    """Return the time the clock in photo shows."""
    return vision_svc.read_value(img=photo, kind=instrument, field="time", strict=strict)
10:37:06
